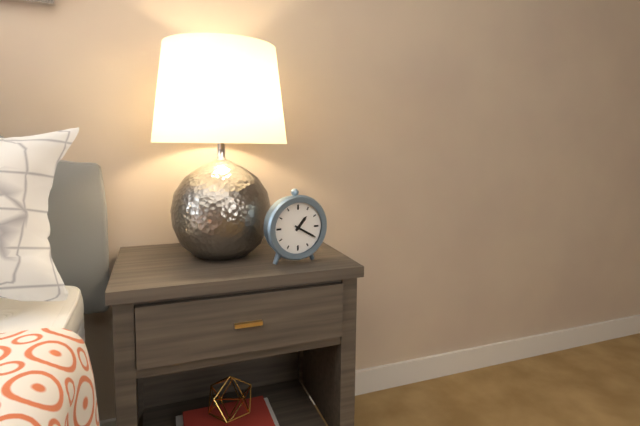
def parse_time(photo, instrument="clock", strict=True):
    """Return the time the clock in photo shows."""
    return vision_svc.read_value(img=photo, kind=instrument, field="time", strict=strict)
1:20
